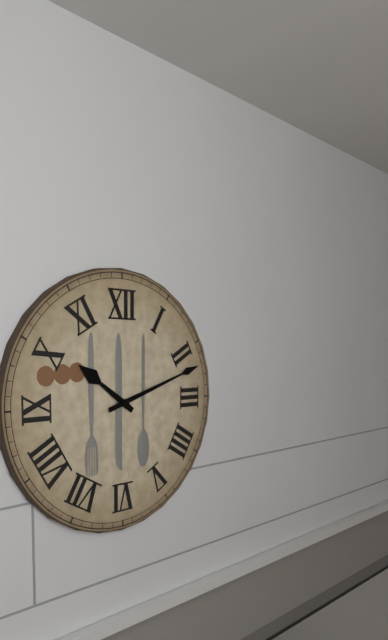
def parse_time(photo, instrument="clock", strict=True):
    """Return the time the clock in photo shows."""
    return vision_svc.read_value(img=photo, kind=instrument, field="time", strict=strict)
10:12
